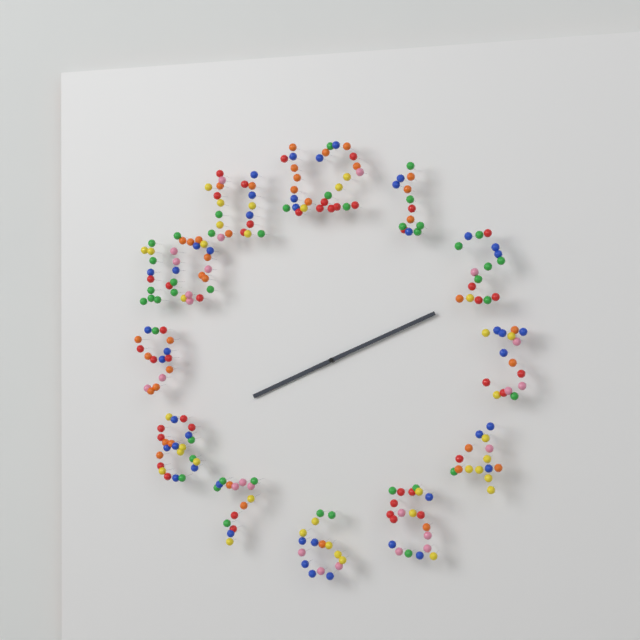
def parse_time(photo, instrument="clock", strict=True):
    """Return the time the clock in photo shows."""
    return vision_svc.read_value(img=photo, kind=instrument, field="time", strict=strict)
8:11
